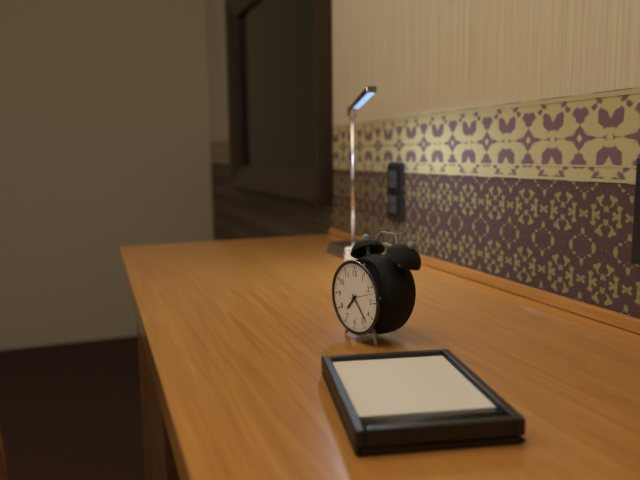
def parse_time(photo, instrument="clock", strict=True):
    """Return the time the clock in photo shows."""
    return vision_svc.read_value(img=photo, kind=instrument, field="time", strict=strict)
7:23
